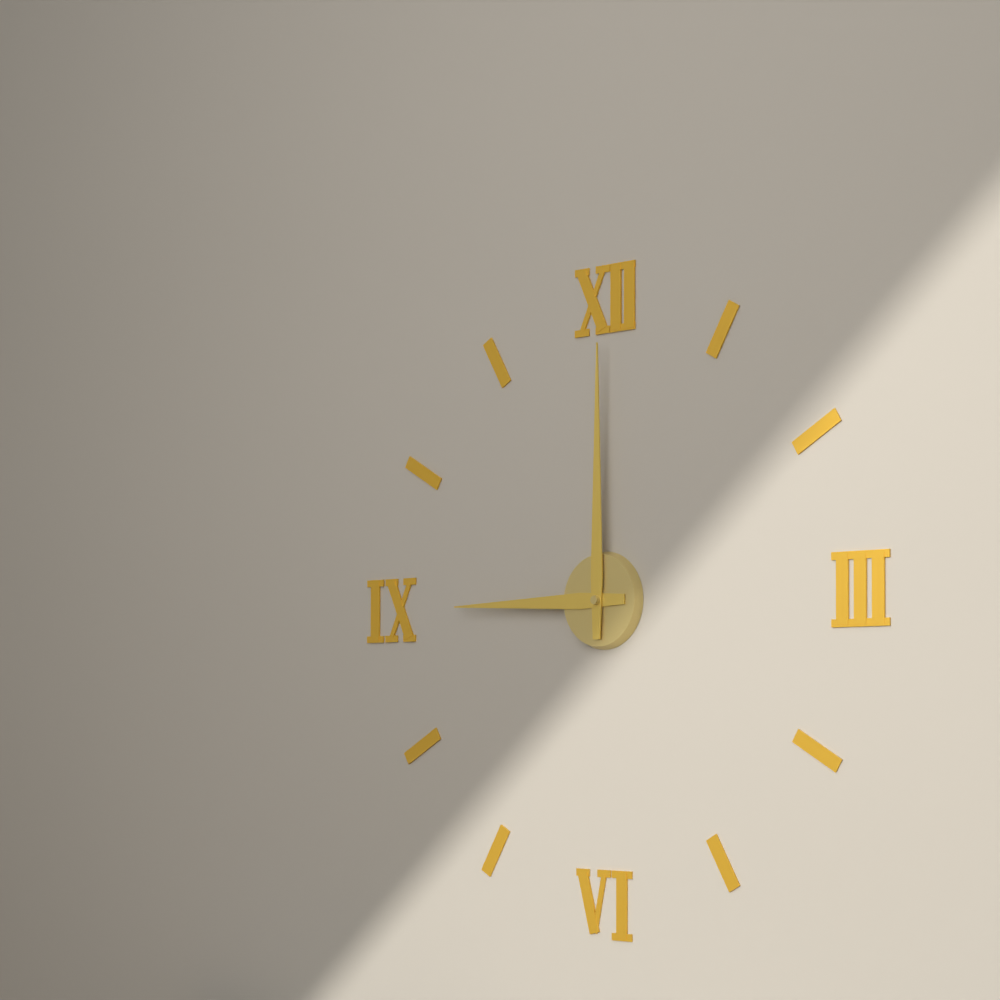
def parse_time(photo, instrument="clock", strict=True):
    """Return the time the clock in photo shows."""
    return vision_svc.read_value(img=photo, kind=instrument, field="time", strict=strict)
9:00
